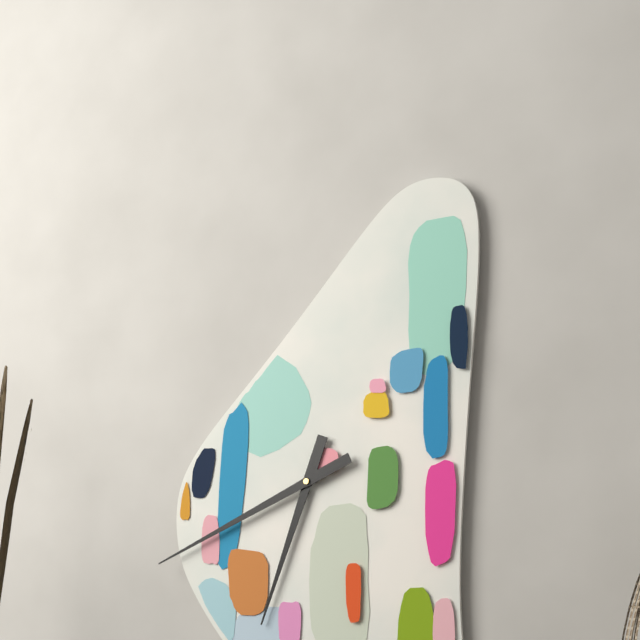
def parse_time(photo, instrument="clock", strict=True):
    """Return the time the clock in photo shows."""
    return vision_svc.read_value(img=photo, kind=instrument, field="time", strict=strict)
6:41
